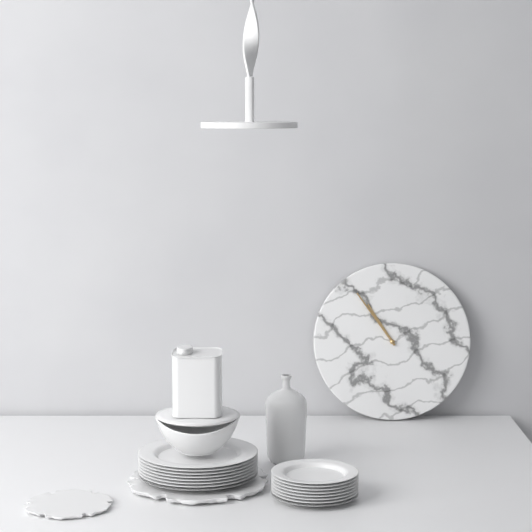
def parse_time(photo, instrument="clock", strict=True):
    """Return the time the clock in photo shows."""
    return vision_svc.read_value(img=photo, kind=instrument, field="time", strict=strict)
10:54
